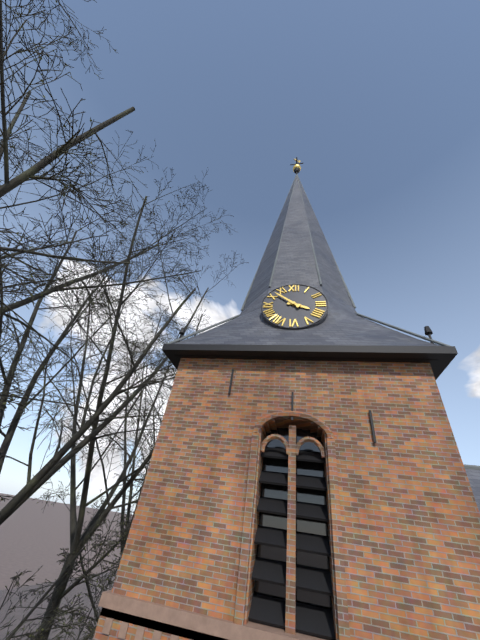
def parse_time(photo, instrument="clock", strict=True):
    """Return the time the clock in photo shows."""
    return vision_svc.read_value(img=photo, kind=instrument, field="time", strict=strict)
3:52
